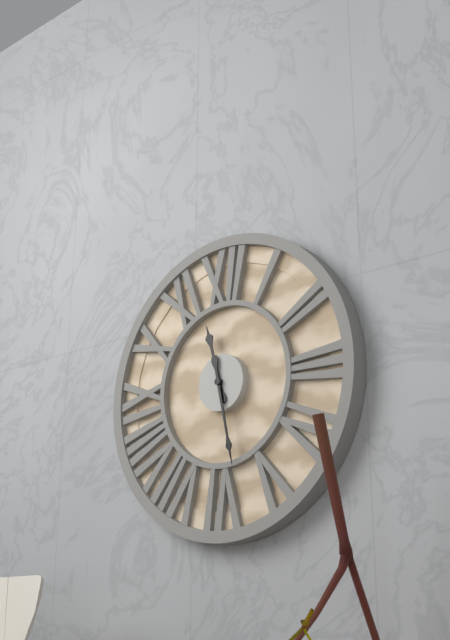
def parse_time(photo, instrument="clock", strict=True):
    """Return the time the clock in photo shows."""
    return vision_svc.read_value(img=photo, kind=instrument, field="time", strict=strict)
11:28
